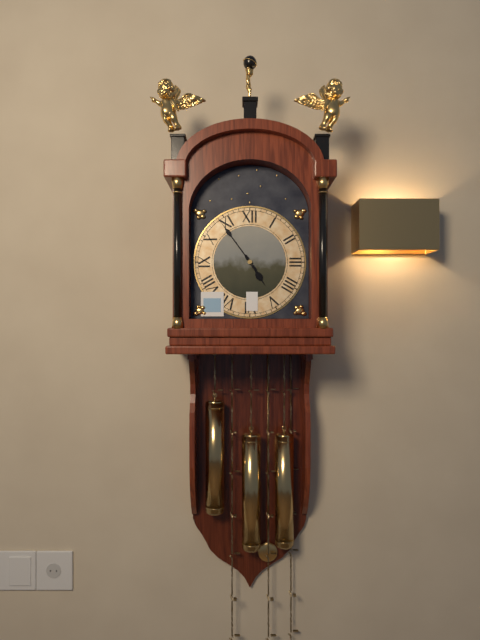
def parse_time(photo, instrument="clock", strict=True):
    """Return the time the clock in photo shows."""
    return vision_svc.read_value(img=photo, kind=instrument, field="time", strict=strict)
4:54
